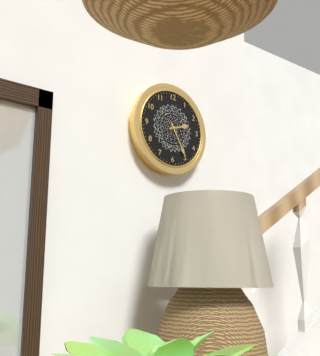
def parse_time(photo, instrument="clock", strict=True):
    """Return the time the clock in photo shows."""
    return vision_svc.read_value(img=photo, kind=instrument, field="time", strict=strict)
2:25
